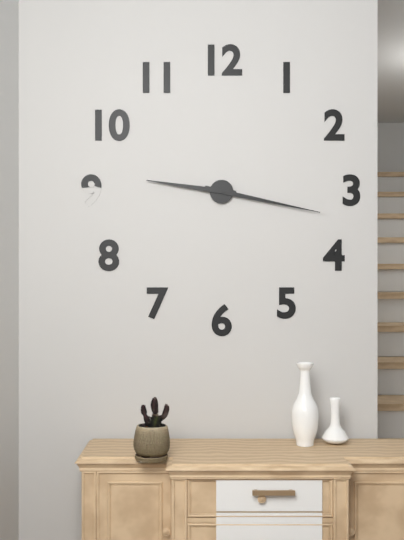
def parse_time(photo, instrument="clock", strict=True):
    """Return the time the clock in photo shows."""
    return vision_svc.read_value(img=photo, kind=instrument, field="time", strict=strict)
9:17
